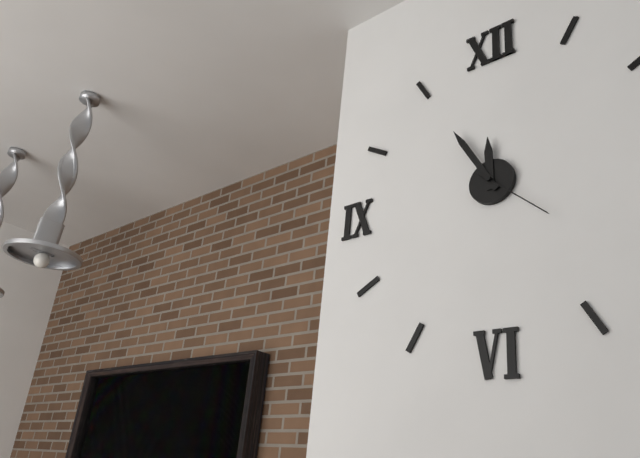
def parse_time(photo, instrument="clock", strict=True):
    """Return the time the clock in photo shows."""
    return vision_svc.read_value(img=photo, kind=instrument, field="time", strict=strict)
11:55:22
